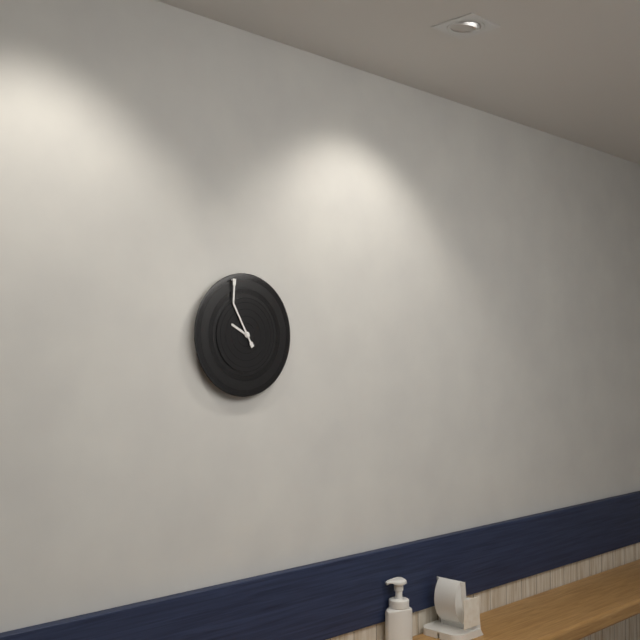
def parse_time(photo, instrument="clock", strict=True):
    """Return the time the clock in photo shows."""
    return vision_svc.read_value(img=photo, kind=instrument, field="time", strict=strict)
9:55
